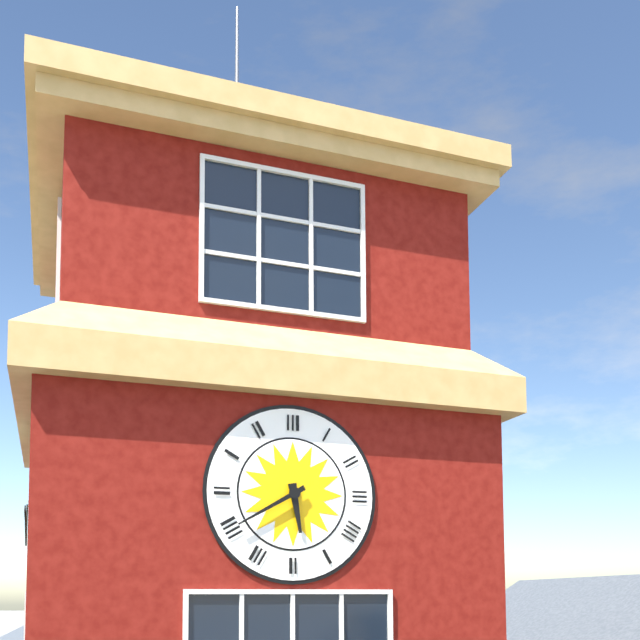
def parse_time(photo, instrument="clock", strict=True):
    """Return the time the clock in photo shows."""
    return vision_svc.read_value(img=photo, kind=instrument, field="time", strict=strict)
5:40
